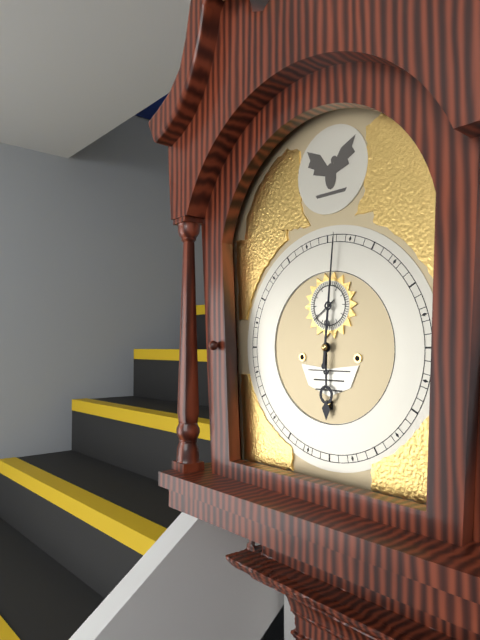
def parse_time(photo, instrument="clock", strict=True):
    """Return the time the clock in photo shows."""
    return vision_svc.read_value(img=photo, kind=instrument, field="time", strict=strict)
6:01
